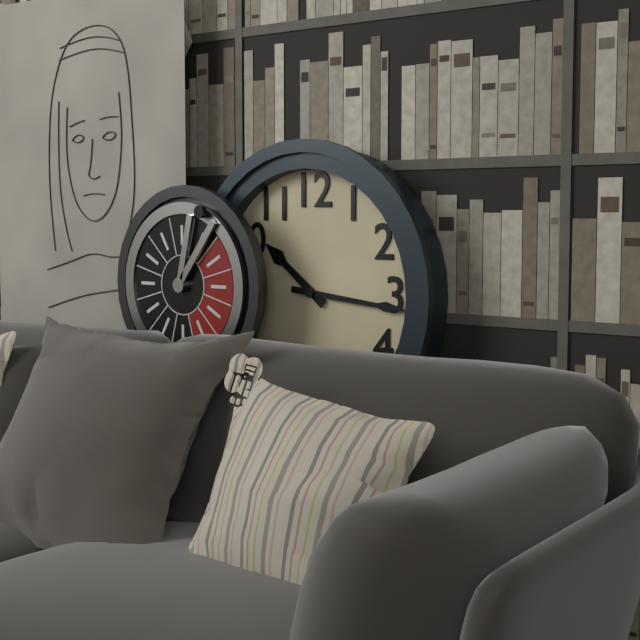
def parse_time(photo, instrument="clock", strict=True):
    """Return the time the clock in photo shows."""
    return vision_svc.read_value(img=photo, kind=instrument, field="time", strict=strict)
10:16
